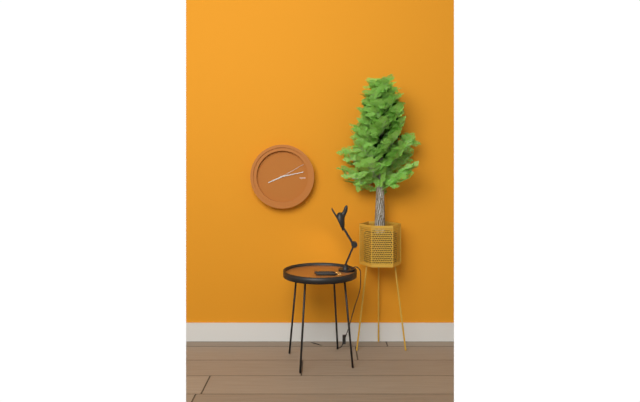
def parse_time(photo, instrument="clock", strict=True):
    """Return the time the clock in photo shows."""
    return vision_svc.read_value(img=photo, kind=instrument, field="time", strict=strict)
8:13
